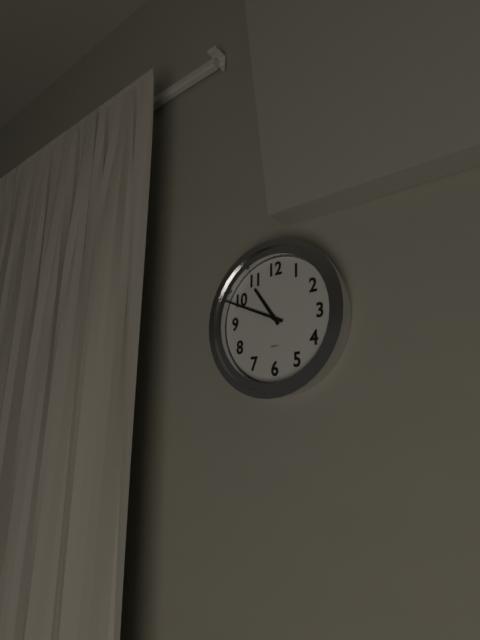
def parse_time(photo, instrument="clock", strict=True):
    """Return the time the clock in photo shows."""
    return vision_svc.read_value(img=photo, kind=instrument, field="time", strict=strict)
10:49
